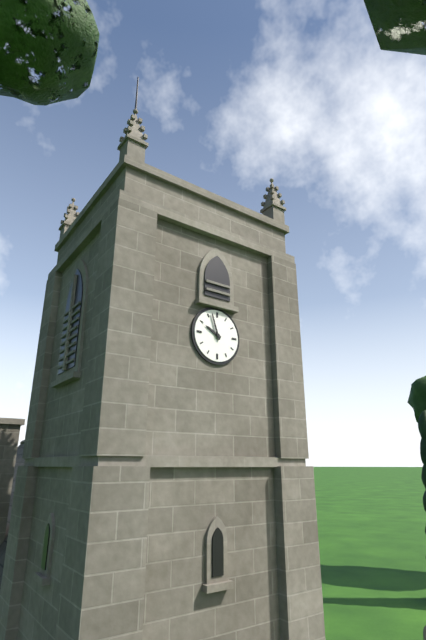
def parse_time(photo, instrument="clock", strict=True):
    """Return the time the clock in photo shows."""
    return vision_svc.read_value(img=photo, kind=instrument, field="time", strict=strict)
9:57
